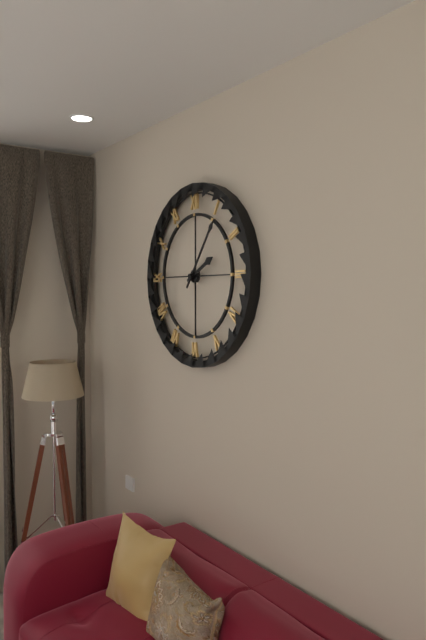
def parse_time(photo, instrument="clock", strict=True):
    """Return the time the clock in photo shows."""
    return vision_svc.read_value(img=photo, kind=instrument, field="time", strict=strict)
2:06
